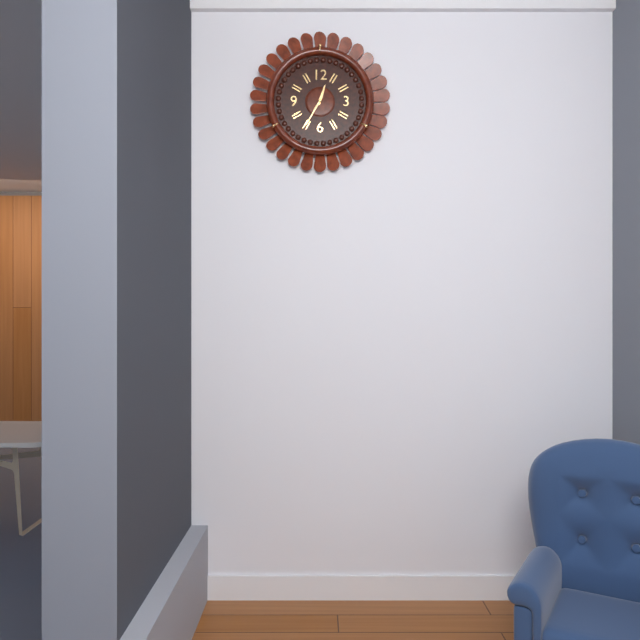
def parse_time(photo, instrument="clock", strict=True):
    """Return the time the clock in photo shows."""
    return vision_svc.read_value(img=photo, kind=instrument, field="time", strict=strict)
12:35
